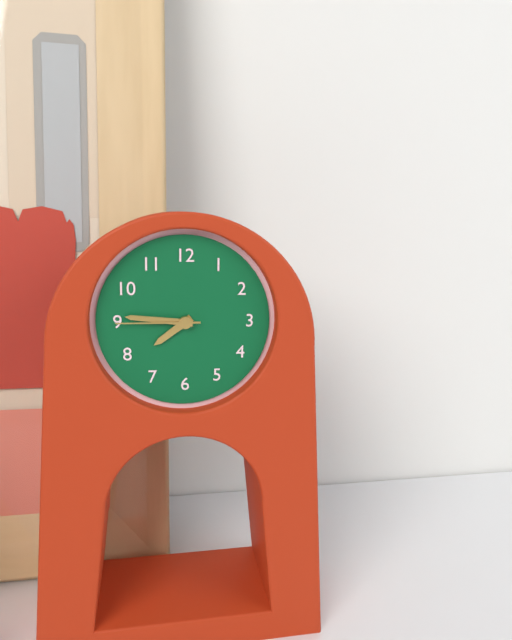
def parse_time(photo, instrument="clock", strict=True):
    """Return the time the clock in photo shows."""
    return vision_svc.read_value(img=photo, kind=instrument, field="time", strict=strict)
7:46:45
